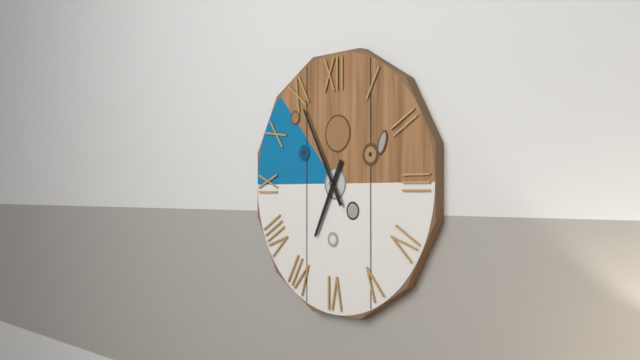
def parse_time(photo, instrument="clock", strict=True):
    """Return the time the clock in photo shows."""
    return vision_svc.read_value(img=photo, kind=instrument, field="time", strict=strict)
6:55
